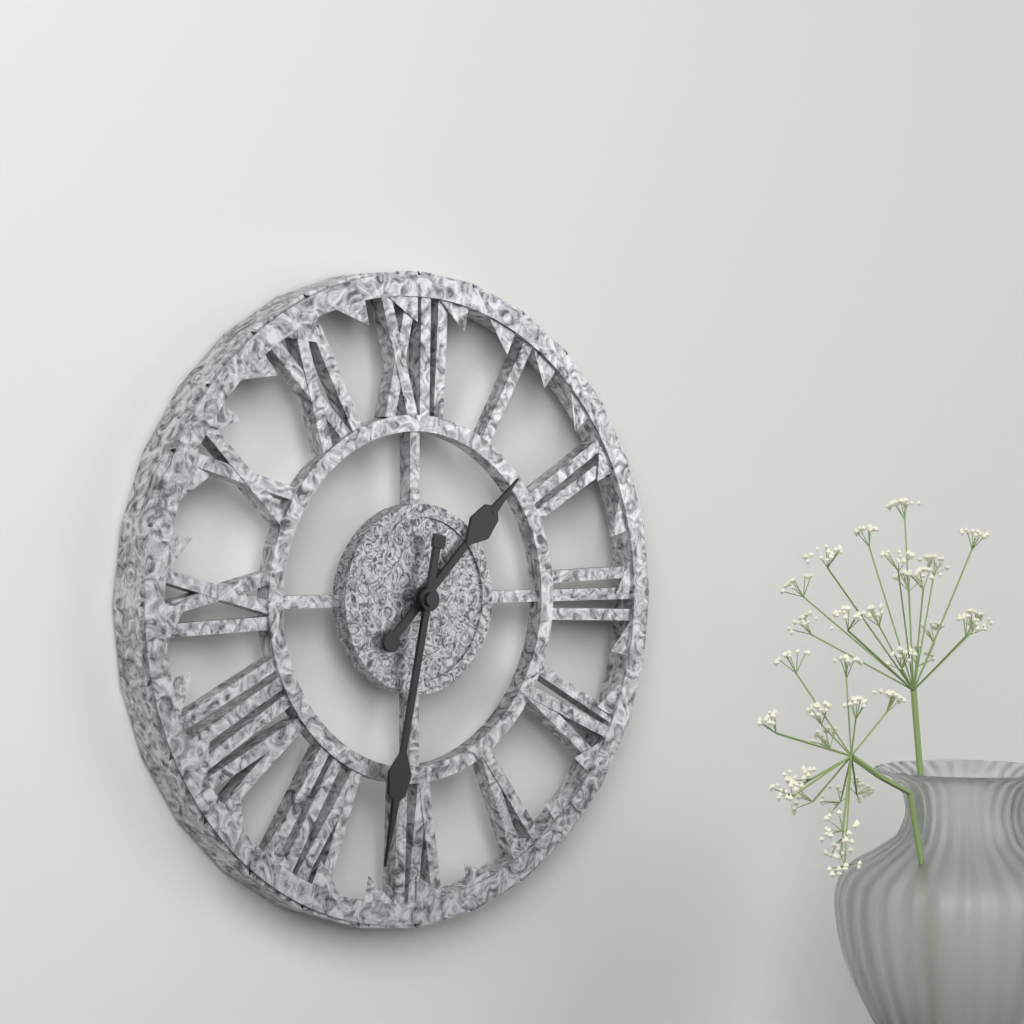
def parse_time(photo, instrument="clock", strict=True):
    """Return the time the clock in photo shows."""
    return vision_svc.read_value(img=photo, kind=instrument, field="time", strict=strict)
1:32
